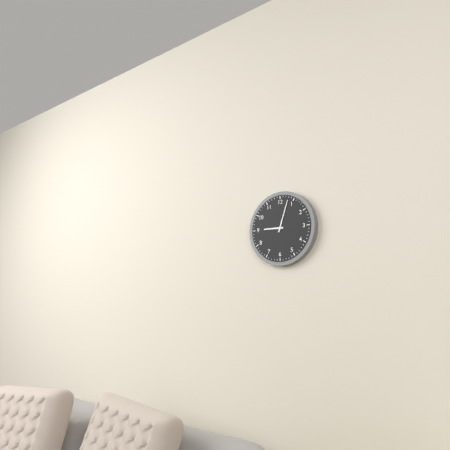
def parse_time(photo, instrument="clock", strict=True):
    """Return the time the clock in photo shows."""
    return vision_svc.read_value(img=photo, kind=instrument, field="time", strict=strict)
9:03
